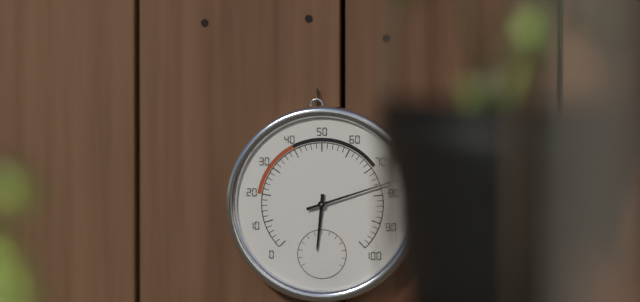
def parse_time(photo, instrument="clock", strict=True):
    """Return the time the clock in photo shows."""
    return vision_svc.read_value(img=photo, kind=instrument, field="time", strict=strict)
6:12
